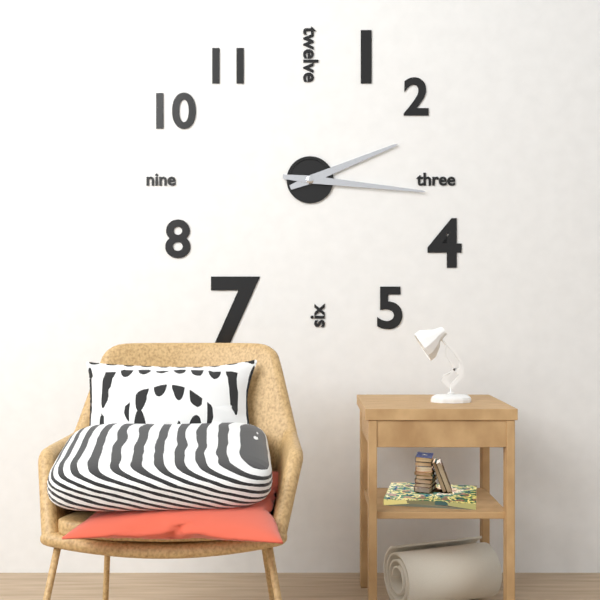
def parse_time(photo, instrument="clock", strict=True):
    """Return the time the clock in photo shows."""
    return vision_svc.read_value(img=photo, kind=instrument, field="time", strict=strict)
2:16
